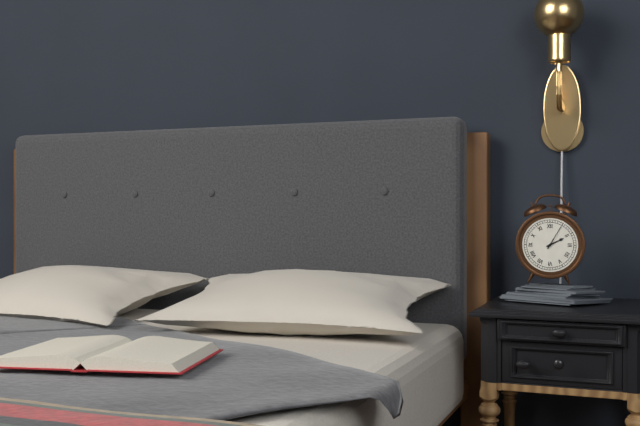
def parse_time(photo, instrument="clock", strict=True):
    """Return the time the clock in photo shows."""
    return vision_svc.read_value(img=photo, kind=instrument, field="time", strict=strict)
2:05
